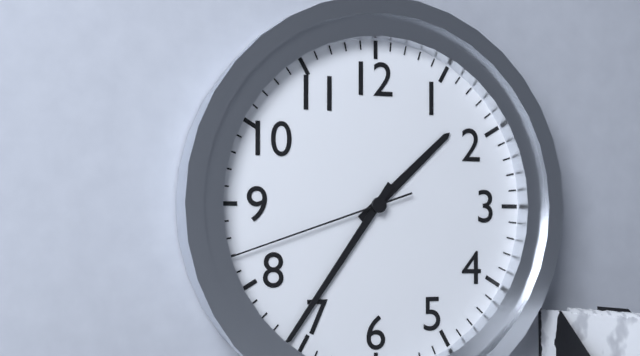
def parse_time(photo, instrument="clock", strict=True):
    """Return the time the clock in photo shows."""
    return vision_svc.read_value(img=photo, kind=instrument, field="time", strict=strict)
1:36:42
